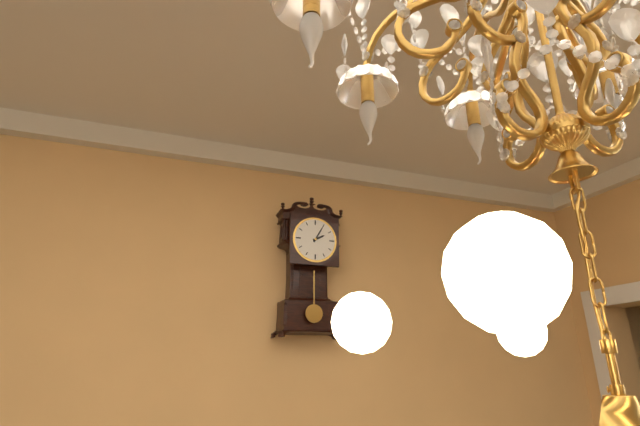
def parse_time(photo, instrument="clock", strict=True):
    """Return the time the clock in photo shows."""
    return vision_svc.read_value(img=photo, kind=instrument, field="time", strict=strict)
2:05
